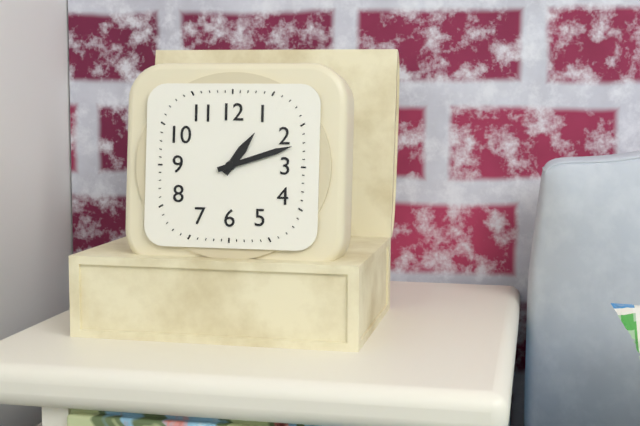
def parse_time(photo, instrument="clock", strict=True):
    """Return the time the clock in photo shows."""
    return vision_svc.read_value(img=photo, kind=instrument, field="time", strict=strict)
1:12
